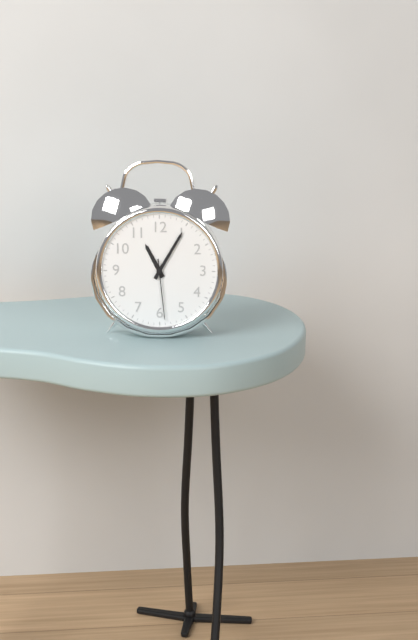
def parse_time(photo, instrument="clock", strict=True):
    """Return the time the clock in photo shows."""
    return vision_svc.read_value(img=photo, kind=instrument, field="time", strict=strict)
11:05:29
